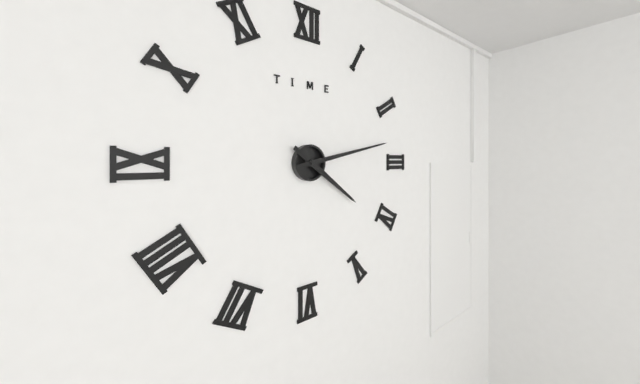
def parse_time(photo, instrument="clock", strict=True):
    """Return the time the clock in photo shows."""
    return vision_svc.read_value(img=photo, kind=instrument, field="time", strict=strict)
4:13
